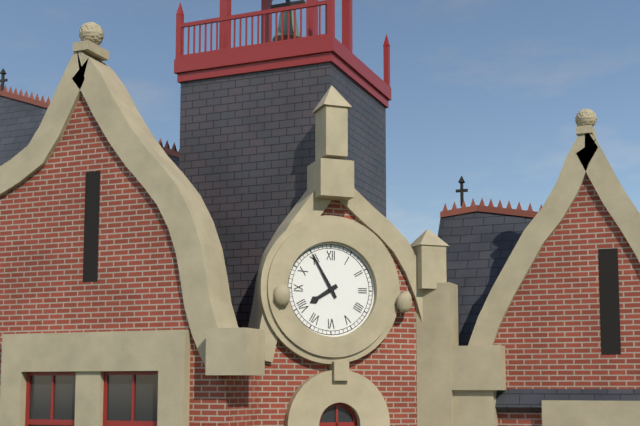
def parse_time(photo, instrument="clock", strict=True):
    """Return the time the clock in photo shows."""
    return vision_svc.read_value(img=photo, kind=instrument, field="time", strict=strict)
7:55
